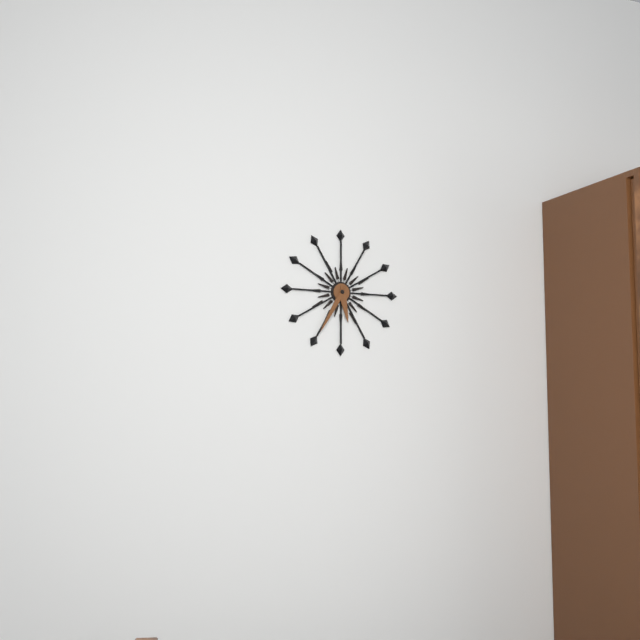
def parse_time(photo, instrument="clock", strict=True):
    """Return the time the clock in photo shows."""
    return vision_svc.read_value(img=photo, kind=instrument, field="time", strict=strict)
5:35
